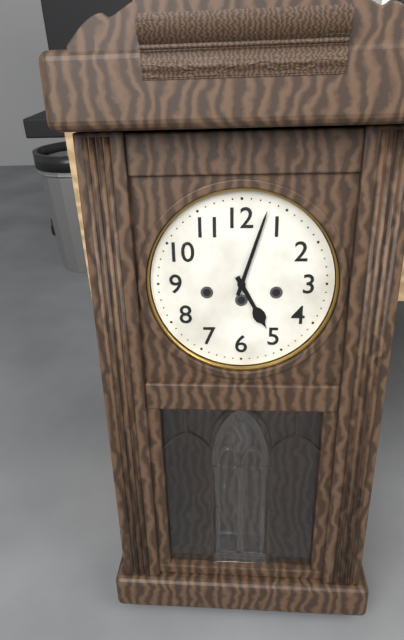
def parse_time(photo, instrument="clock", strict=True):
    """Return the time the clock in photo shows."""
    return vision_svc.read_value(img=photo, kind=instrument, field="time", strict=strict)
5:03
